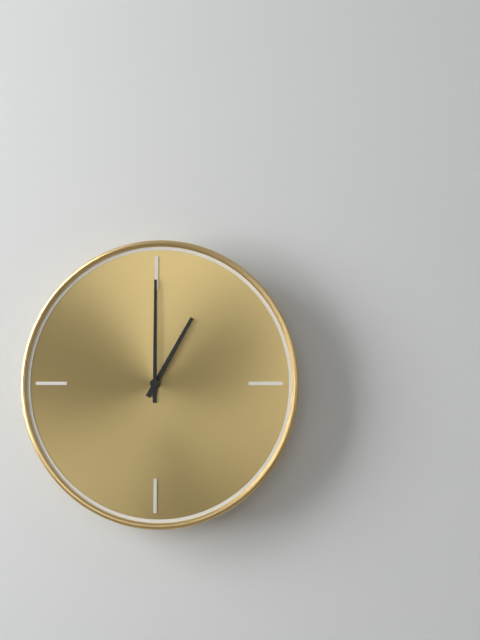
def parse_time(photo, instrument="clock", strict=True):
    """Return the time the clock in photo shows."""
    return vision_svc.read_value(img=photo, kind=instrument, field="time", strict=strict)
1:00
